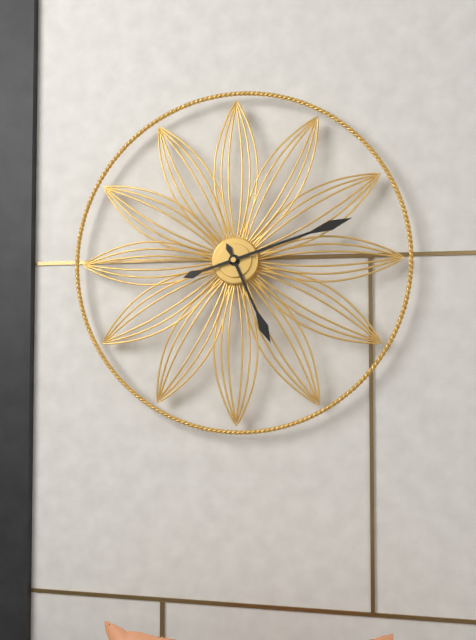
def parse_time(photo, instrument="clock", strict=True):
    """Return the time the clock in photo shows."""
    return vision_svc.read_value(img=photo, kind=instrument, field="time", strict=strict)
5:12
